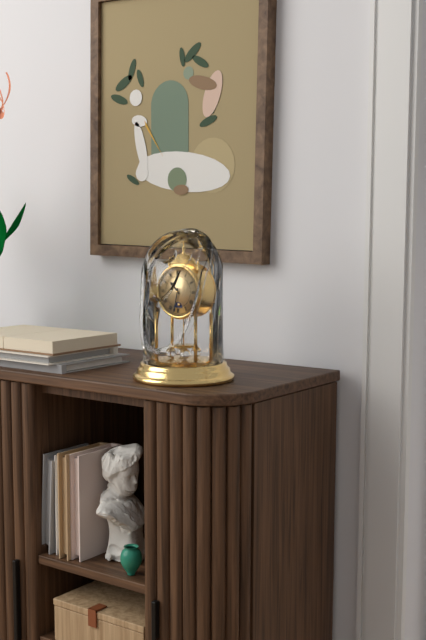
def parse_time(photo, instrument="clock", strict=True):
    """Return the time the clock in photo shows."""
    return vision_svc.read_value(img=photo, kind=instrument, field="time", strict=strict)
10:32
